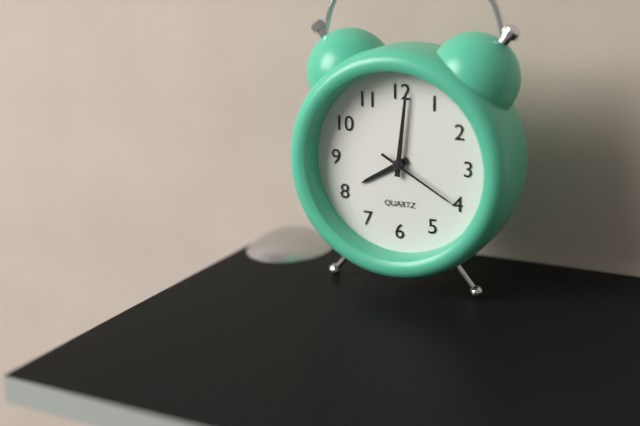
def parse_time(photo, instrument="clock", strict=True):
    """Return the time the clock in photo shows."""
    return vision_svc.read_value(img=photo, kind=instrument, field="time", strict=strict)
8:01:20
